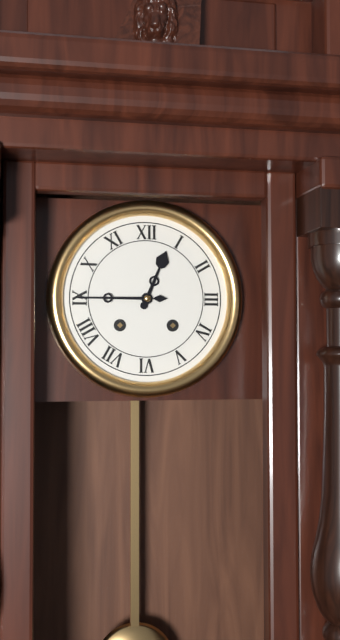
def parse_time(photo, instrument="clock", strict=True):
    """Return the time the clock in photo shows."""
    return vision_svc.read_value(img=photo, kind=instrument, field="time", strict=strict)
12:45
